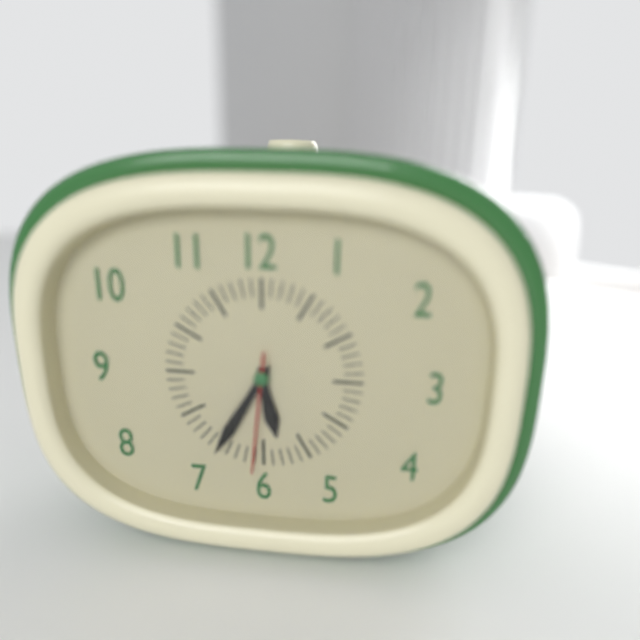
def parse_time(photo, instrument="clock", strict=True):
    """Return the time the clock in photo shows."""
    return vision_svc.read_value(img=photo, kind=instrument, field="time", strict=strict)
5:35:31
